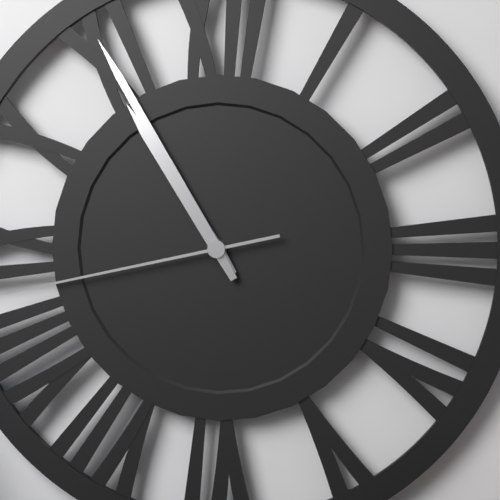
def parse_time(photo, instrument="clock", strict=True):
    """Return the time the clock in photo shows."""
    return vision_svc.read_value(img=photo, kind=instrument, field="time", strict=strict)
10:55
